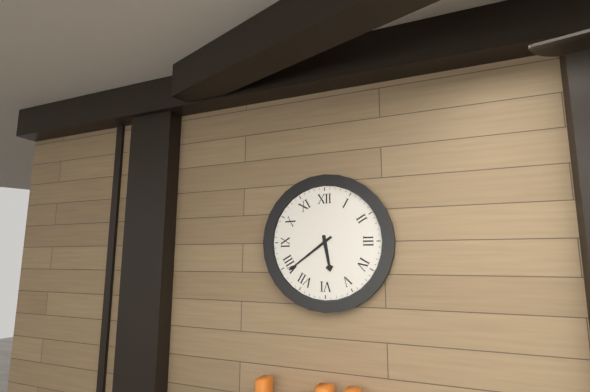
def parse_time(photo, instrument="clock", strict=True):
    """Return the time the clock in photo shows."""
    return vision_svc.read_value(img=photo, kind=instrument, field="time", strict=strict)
5:39
